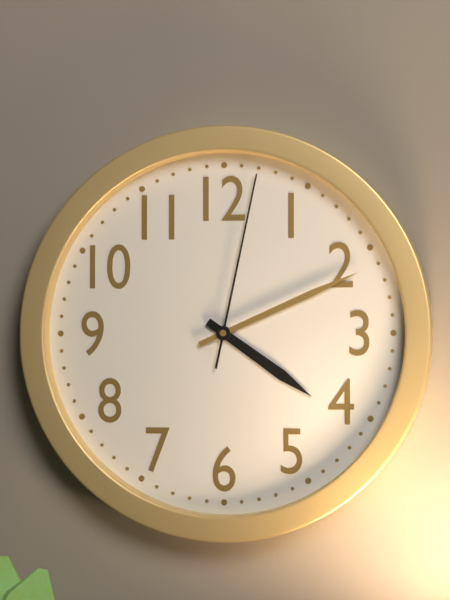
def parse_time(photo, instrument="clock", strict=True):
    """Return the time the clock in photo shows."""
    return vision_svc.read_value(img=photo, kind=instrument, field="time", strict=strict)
4:11:02
